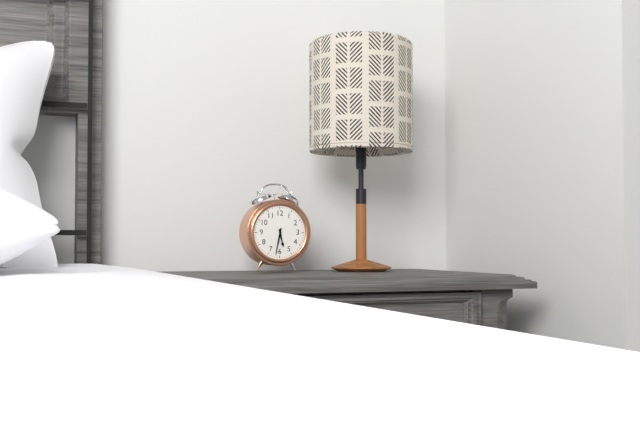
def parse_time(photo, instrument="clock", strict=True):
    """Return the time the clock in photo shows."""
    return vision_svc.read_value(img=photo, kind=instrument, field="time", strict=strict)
5:32
